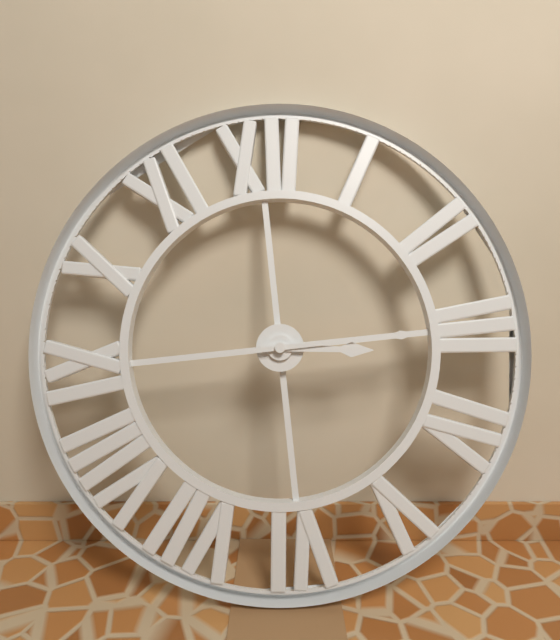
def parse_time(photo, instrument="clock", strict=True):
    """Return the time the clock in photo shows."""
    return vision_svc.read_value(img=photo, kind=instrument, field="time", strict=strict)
3:15
